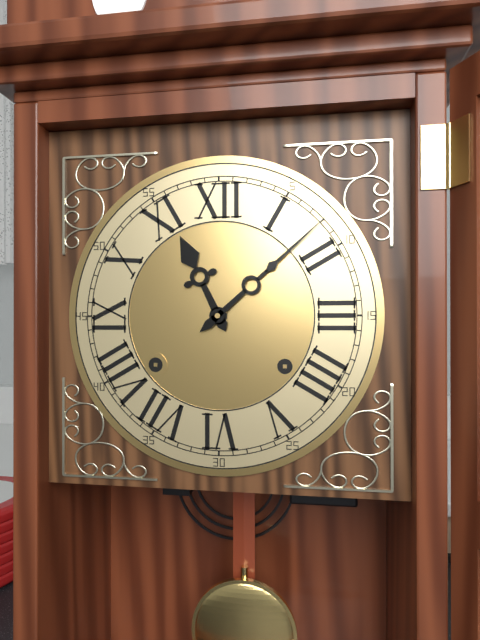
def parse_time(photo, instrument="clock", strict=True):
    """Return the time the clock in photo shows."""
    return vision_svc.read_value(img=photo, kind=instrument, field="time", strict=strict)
11:08
